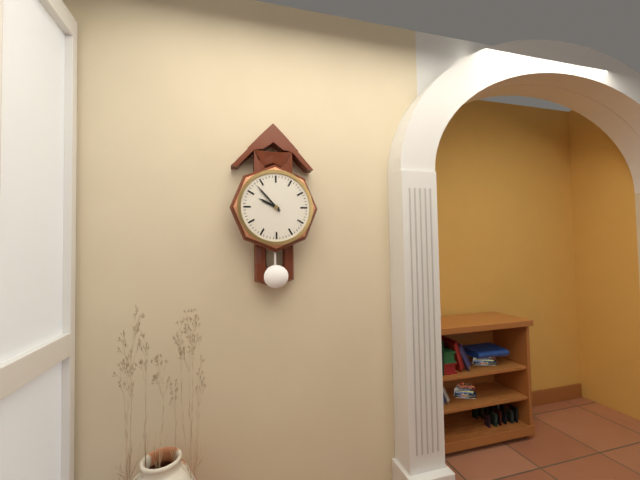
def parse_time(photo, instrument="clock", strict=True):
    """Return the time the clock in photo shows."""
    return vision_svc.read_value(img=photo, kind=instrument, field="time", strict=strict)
9:53
